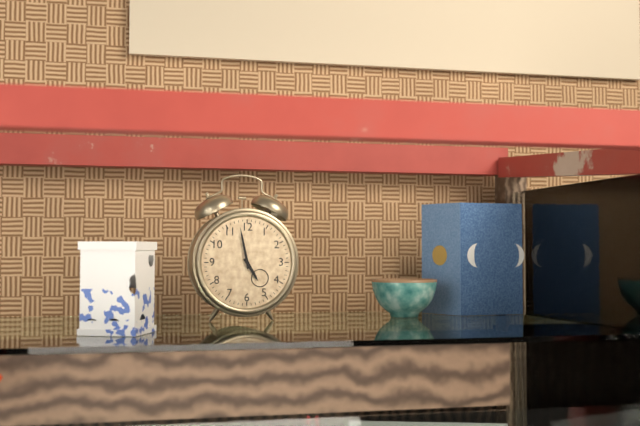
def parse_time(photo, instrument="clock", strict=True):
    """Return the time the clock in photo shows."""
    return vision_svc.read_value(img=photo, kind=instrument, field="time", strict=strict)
4:58
